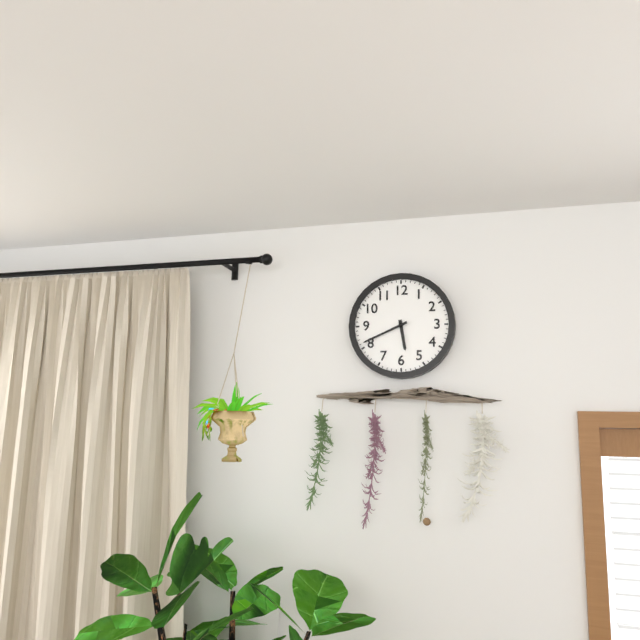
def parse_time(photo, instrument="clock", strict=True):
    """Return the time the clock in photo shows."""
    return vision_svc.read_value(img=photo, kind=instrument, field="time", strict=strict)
5:41
